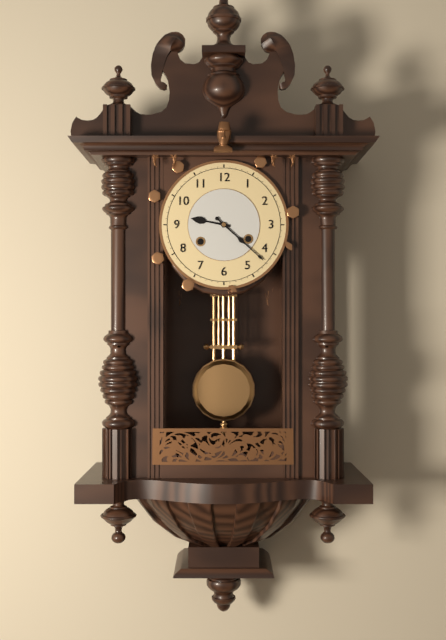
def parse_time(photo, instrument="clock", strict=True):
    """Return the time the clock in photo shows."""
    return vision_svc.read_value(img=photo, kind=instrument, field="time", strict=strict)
9:22
